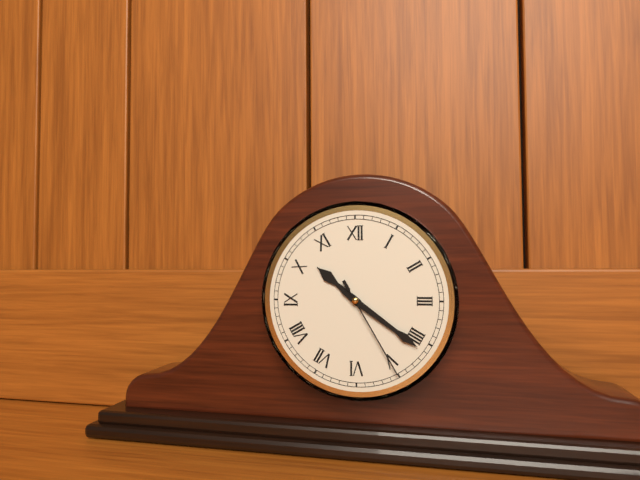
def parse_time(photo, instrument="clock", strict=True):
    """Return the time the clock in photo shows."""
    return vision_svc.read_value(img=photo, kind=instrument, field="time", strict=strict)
10:21:25
